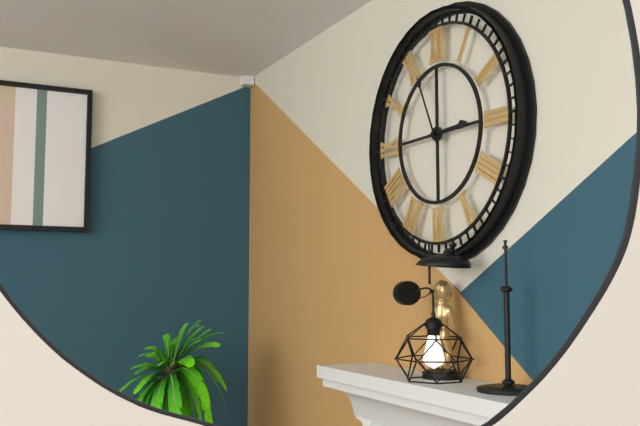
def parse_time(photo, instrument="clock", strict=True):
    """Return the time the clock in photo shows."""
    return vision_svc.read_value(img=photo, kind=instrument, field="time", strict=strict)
2:56
